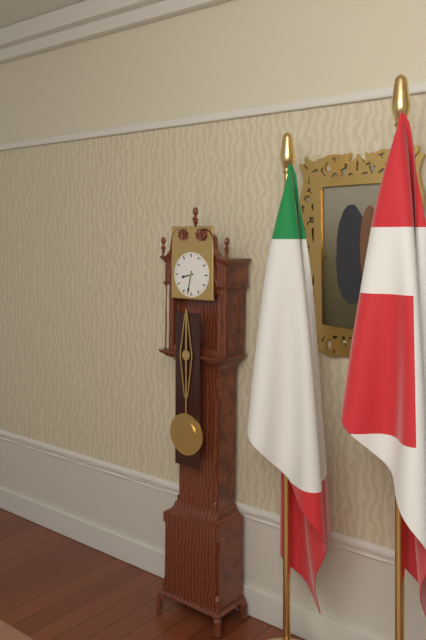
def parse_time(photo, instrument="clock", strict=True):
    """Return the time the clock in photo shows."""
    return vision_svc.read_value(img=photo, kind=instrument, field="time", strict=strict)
8:32
